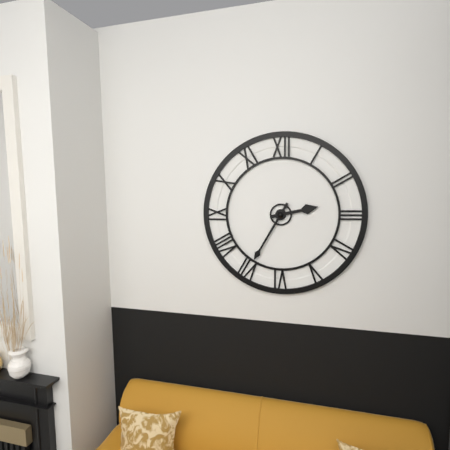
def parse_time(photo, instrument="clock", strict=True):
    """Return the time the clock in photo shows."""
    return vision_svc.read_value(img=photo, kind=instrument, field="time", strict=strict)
2:35
